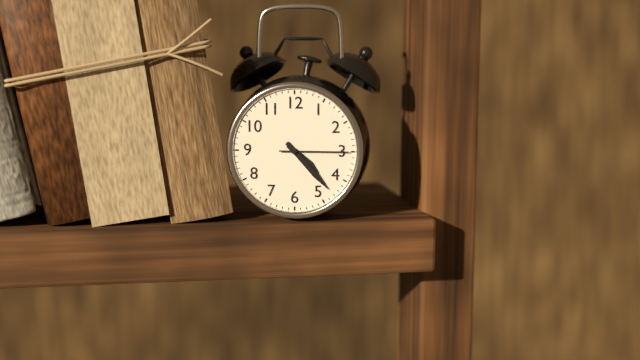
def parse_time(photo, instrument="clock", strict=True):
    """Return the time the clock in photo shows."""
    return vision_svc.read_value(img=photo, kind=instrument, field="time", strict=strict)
4:23:15
